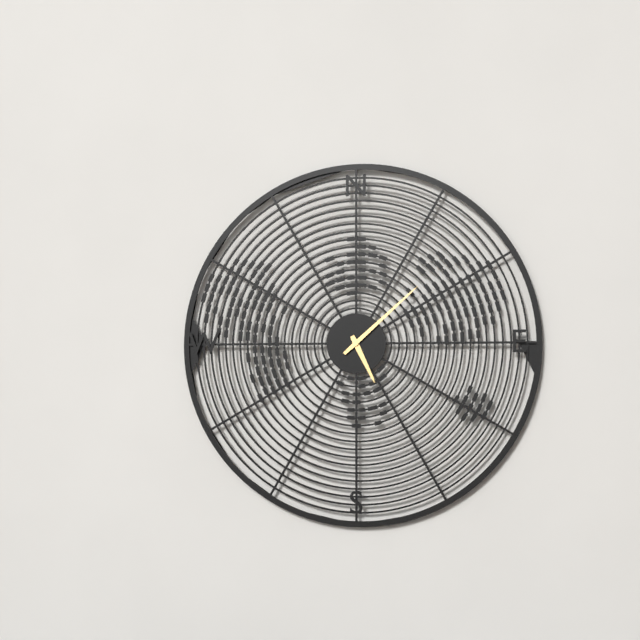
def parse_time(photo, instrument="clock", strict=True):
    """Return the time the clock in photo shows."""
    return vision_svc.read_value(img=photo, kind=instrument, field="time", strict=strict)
5:08
